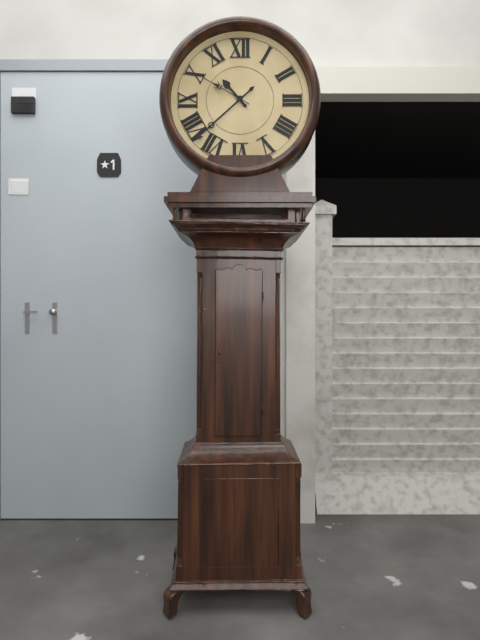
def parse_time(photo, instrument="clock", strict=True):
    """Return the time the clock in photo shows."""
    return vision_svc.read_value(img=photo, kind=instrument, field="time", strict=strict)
10:38:50
